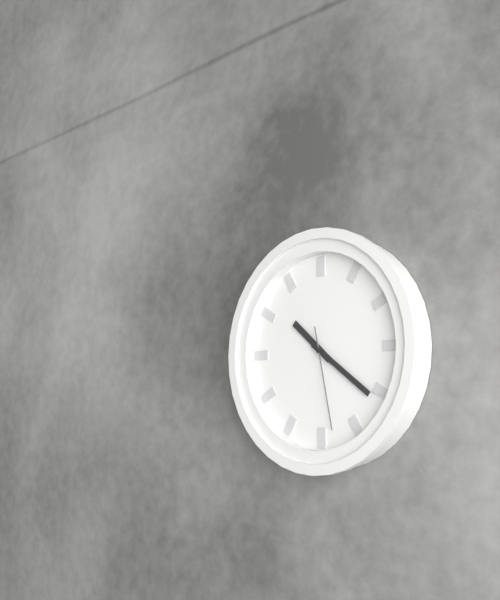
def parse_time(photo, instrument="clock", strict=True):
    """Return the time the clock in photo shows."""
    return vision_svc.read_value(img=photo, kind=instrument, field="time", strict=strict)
10:21:28
